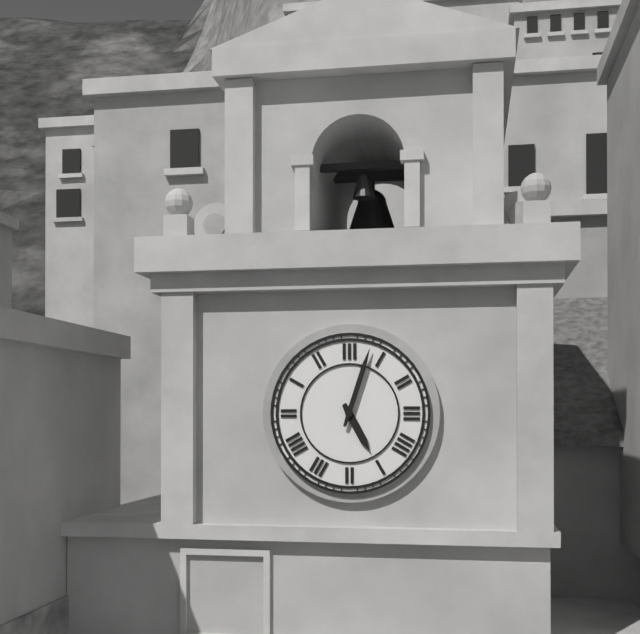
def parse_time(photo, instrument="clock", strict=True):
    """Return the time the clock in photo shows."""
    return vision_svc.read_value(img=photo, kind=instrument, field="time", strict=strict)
5:03
